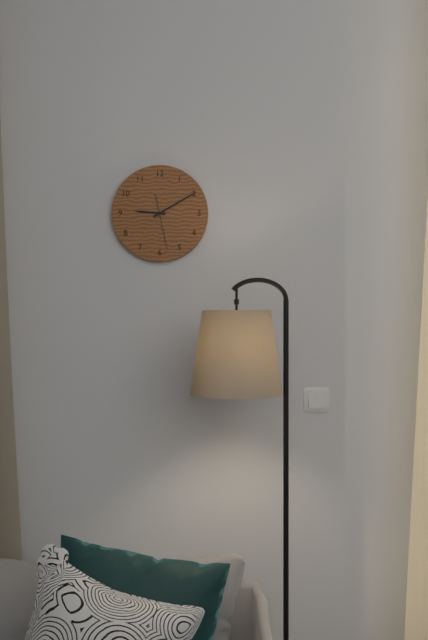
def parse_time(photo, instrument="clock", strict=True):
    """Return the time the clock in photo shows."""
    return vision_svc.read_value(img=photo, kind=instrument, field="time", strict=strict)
9:10
